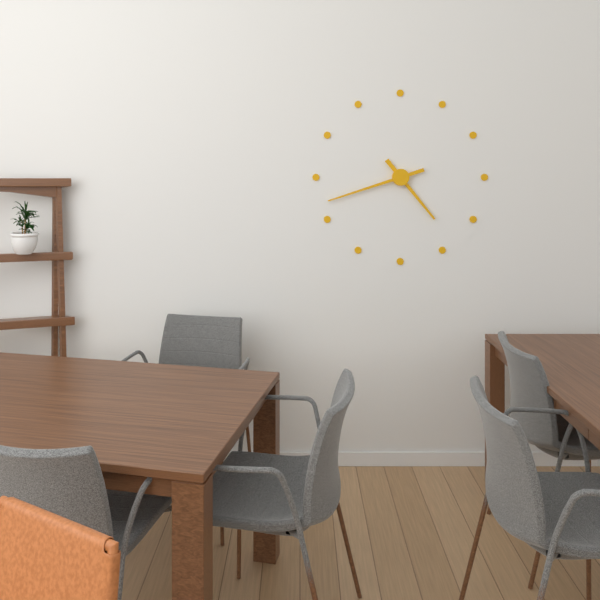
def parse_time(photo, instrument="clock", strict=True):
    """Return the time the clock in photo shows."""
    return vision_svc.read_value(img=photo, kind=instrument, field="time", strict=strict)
4:42
